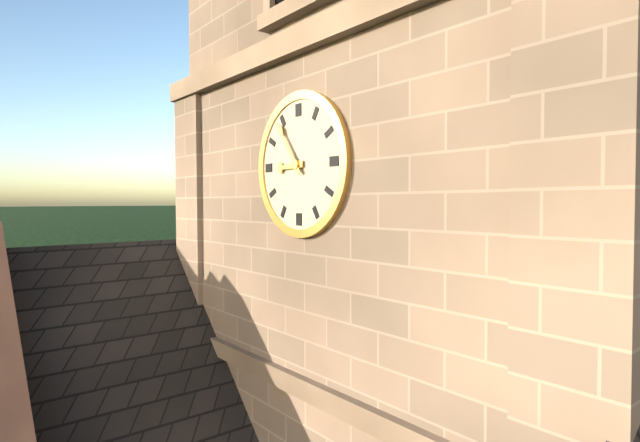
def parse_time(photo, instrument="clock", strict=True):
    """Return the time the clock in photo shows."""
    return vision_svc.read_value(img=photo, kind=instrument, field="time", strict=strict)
8:54
